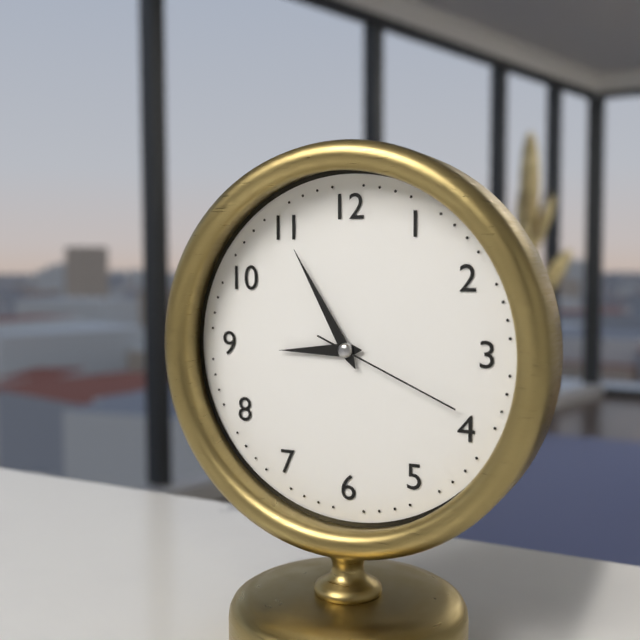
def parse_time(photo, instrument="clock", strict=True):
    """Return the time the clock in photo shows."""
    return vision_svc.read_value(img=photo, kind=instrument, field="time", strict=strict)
8:55:19
